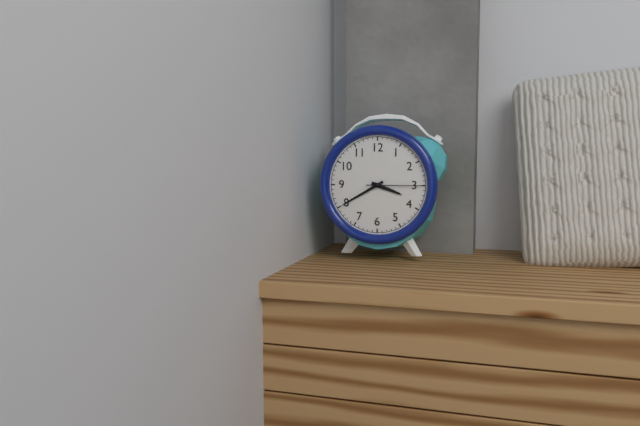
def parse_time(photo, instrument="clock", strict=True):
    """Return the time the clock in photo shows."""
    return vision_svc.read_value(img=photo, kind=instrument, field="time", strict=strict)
3:40:15
